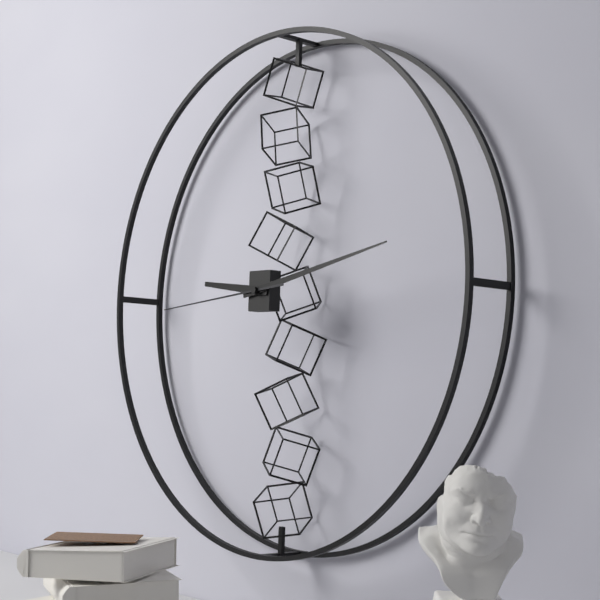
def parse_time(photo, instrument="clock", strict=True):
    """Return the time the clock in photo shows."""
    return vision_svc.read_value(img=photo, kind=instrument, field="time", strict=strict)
9:13:44
